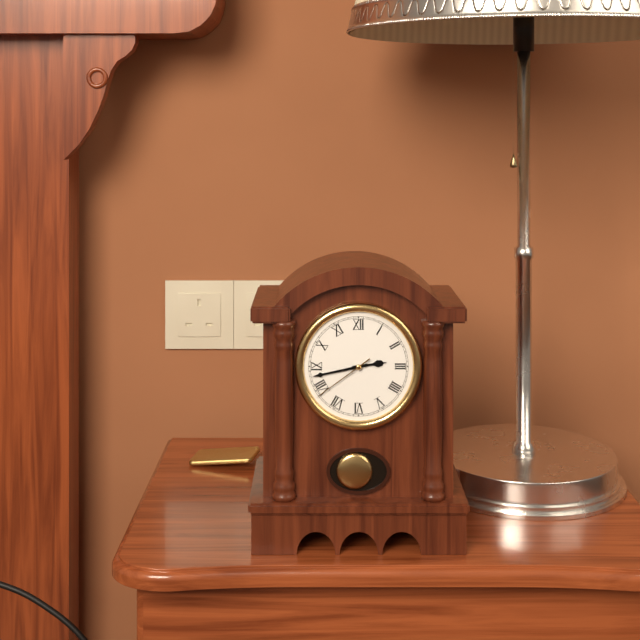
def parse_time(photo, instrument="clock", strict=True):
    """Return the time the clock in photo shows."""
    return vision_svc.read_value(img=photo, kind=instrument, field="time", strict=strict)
2:43:39
